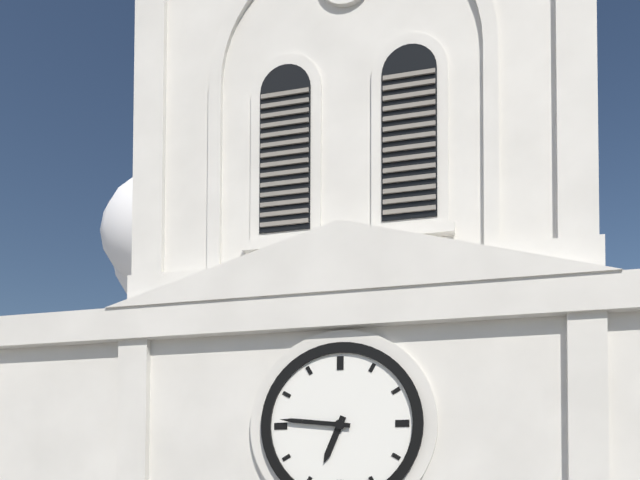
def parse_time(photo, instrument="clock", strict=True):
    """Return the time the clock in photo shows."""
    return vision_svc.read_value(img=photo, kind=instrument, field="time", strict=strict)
6:46
